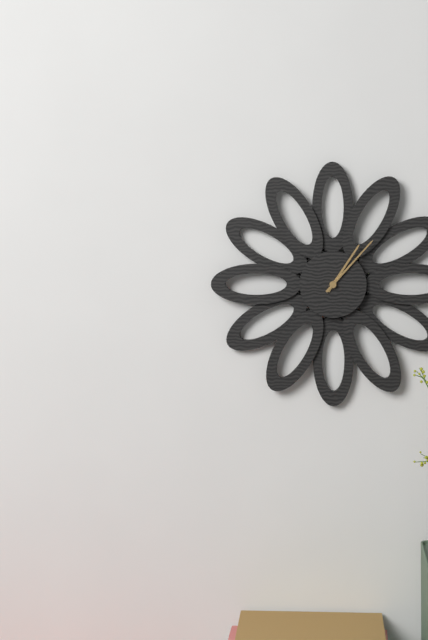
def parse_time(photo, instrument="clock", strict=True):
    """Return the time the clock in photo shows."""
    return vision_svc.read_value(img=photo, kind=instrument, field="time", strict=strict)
1:07
